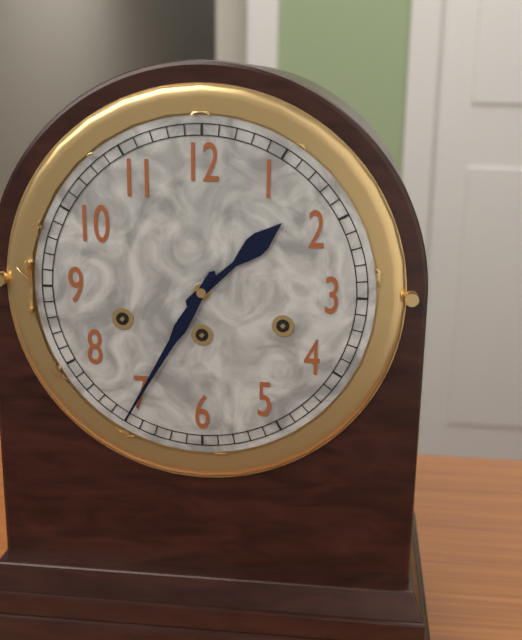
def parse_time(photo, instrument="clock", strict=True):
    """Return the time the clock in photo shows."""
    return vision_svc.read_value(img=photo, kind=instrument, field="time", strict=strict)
1:35
